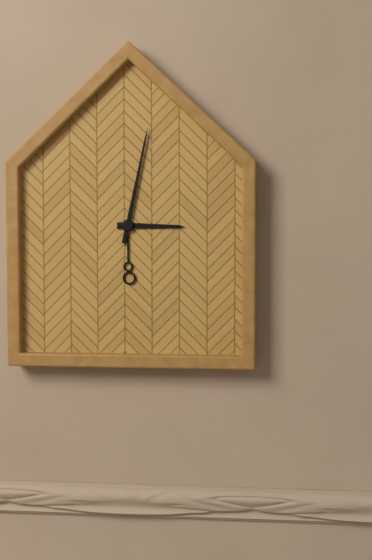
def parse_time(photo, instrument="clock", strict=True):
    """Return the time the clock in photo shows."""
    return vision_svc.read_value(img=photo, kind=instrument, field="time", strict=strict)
3:02
